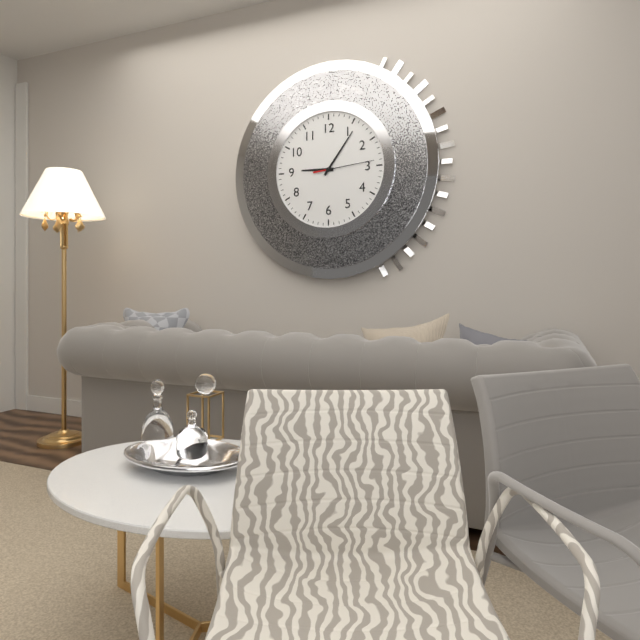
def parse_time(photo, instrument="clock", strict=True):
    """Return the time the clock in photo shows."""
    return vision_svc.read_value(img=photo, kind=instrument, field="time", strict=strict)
9:06:14
